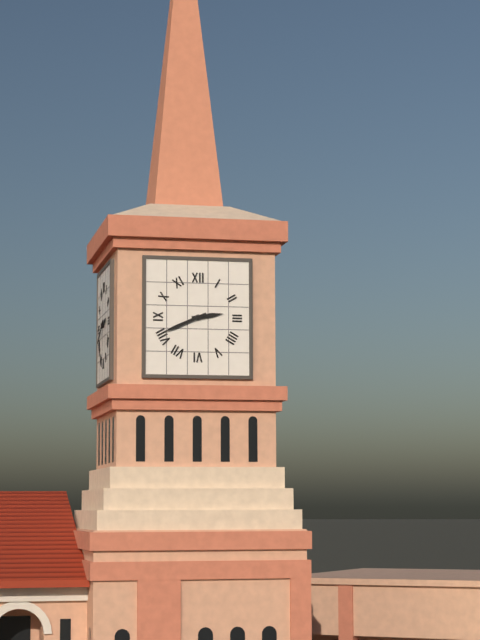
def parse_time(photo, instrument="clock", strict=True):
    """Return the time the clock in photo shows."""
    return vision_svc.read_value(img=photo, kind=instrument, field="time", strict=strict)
2:41
